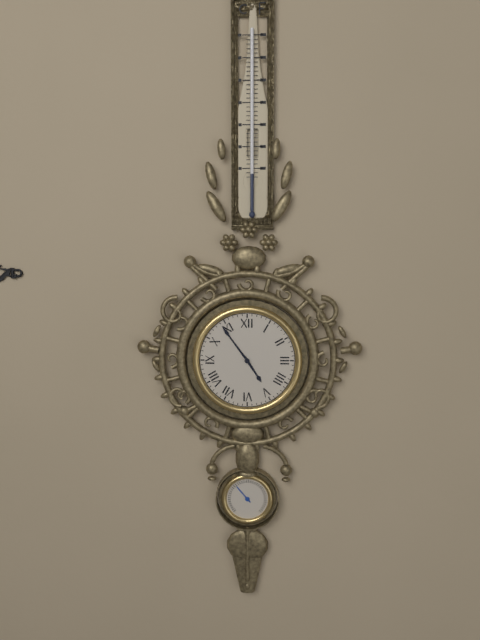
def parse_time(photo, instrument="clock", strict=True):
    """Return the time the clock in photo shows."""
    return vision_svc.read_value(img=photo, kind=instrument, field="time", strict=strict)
4:54
